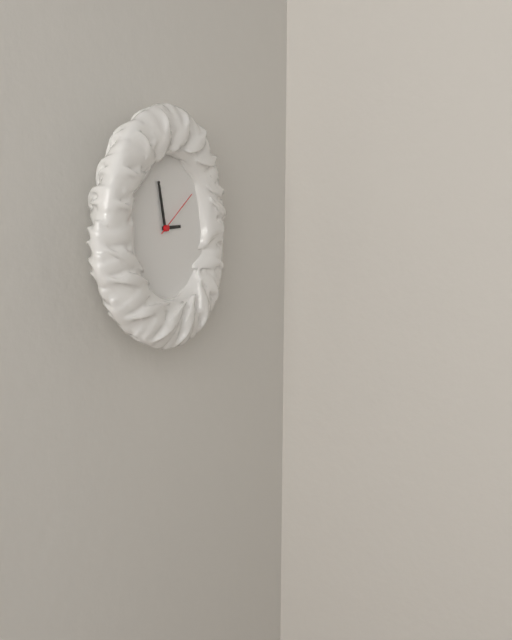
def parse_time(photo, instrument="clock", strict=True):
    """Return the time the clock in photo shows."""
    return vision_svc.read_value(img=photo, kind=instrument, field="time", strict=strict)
2:58:09
